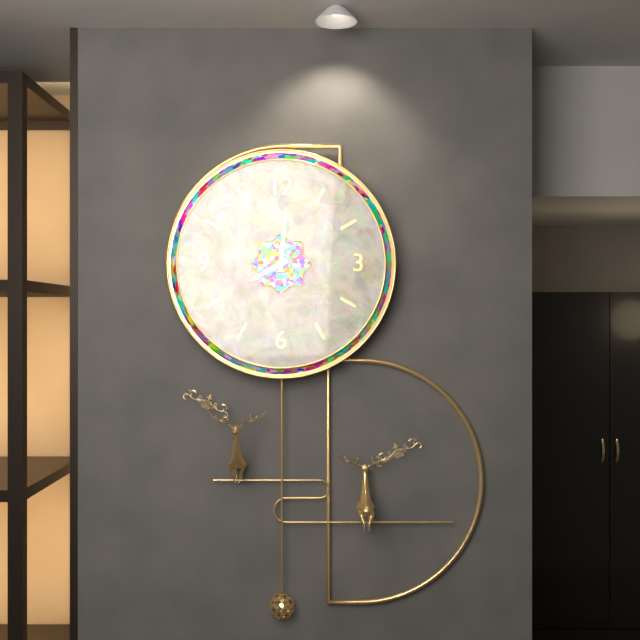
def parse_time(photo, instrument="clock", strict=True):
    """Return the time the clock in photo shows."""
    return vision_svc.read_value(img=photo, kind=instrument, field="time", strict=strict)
8:01
